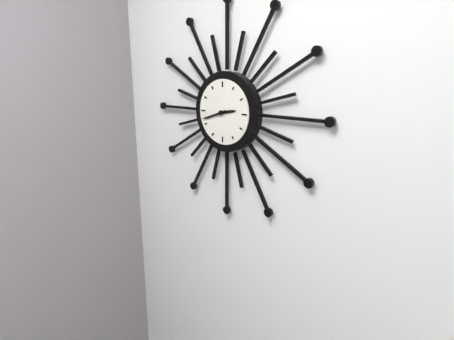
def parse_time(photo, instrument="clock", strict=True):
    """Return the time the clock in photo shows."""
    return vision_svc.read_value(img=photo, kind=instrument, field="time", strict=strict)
2:42
